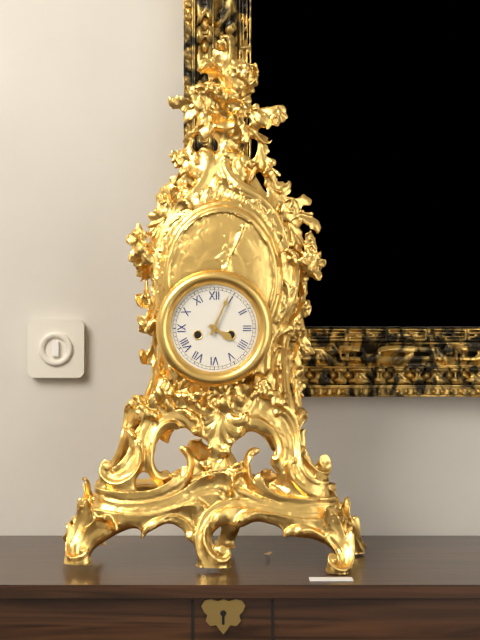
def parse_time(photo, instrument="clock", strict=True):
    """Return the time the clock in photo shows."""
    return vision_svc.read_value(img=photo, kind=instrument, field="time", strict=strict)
4:04
